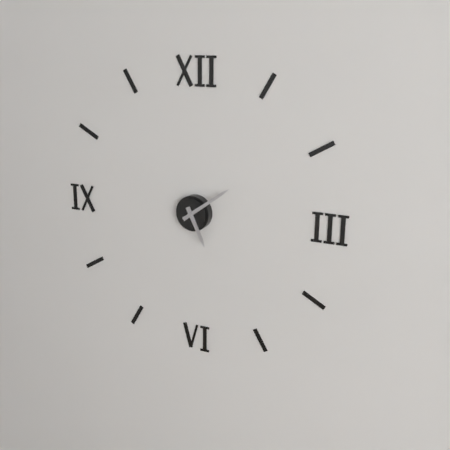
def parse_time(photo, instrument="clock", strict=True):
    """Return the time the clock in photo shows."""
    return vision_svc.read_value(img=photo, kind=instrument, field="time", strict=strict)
5:09
